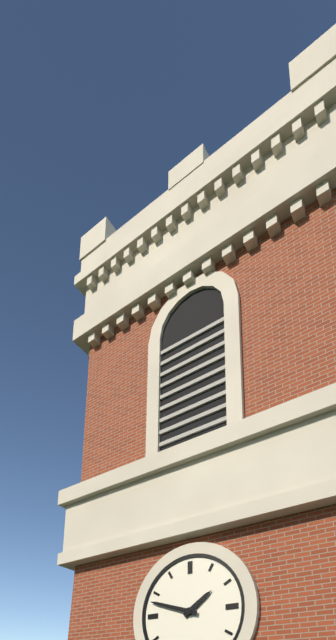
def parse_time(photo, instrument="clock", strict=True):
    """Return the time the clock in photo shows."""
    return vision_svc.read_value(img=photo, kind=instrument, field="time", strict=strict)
1:48
